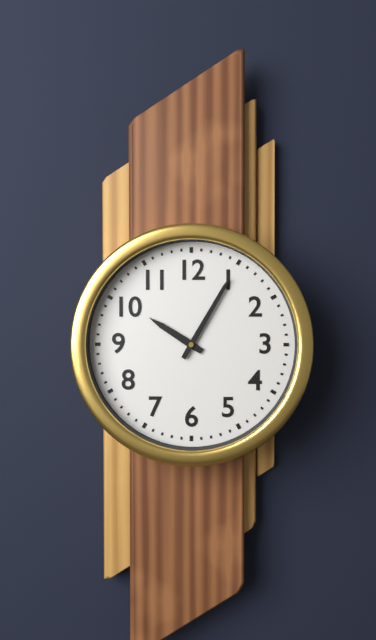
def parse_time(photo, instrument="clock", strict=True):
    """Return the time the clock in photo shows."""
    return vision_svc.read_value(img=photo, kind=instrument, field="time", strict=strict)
10:05
